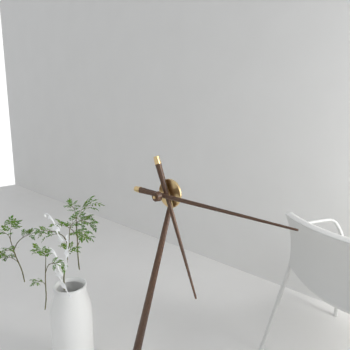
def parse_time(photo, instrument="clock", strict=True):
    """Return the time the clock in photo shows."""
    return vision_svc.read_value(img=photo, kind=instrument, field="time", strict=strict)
5:15
